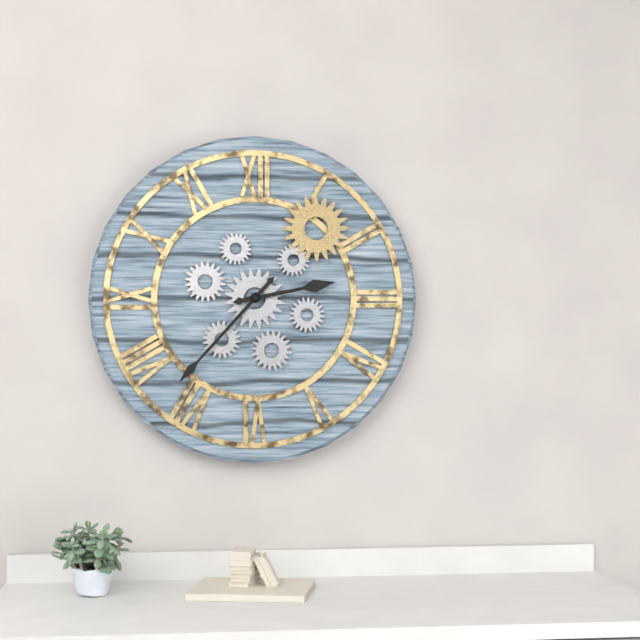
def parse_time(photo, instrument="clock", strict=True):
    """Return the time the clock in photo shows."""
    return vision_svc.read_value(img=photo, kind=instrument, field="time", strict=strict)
2:37
